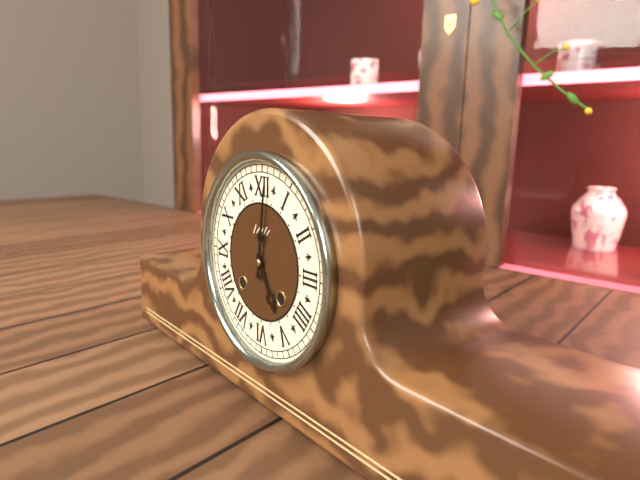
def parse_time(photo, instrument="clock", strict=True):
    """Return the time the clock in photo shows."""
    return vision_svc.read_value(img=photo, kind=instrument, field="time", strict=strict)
5:01
